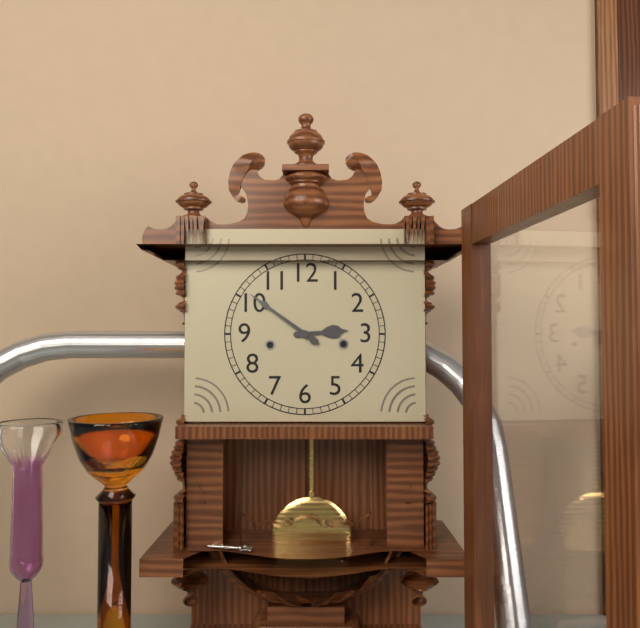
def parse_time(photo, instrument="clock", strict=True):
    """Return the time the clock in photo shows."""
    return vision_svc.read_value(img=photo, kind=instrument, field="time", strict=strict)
2:51
